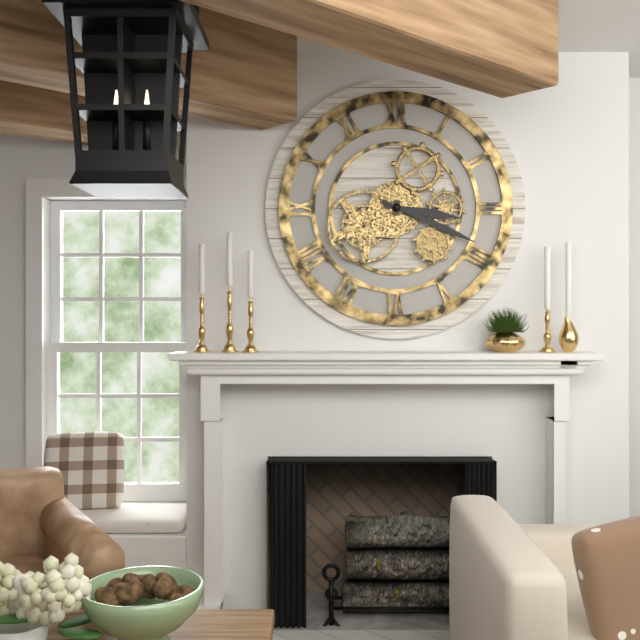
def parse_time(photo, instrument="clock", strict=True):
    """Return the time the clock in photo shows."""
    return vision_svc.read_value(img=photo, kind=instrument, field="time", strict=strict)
3:19
